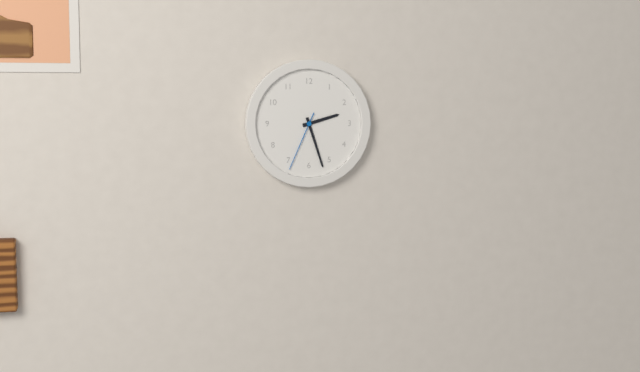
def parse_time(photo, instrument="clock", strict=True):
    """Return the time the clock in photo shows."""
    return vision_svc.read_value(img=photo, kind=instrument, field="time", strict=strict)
2:27:34
